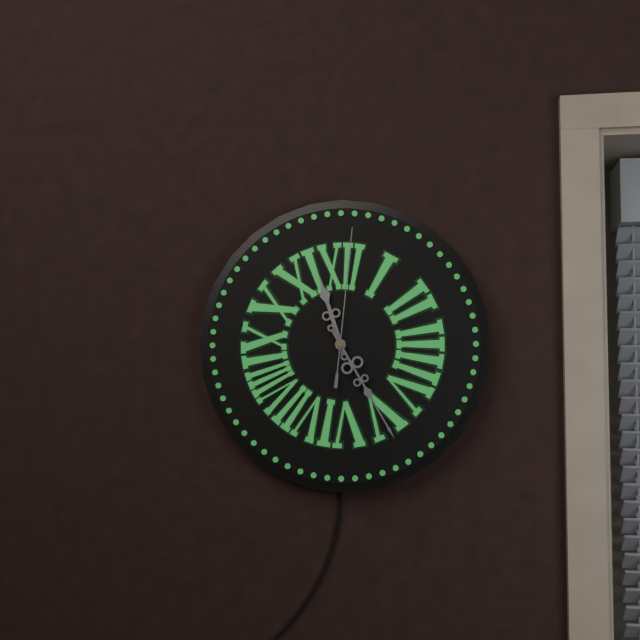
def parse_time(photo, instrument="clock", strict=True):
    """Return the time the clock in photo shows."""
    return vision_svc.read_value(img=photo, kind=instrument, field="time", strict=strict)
11:25:01
